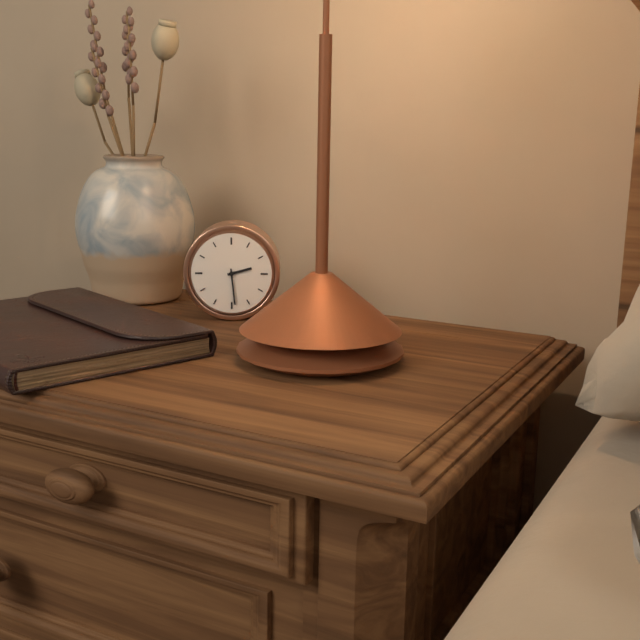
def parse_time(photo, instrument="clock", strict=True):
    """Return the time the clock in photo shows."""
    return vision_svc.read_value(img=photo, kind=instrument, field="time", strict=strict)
2:29
